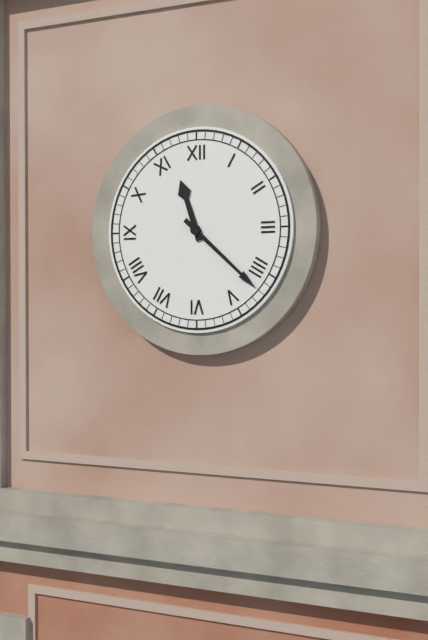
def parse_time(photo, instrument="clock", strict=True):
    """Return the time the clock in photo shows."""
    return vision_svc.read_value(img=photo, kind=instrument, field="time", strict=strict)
11:22
